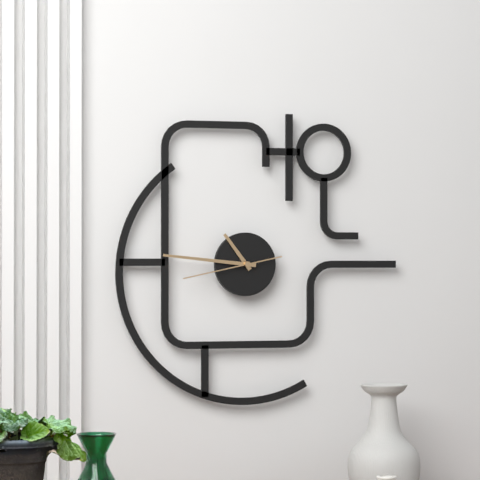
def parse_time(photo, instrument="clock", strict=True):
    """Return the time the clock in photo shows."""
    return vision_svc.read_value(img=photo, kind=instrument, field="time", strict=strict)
10:46:43
